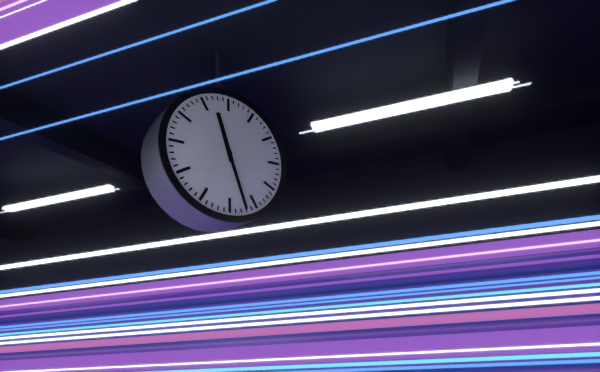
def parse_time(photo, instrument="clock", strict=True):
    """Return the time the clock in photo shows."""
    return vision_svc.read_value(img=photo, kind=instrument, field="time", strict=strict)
11:27
